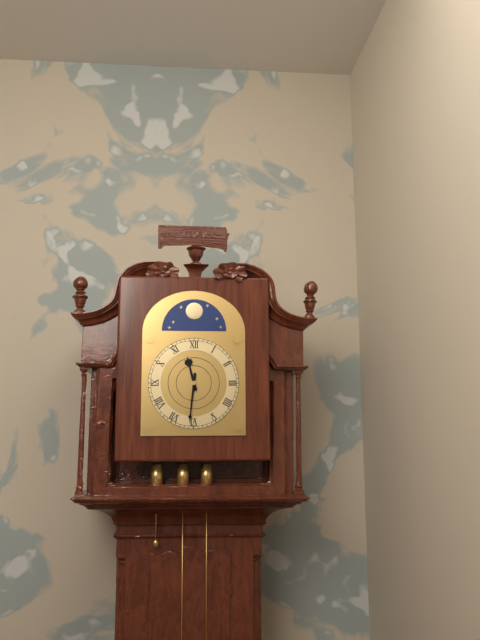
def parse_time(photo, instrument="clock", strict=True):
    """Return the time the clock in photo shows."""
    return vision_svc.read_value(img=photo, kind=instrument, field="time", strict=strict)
11:31
